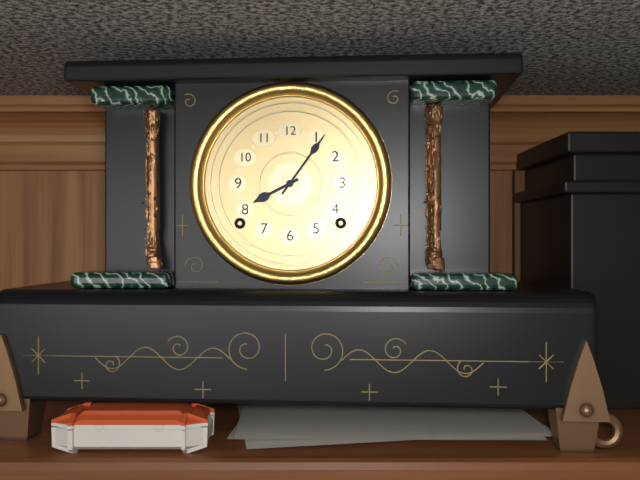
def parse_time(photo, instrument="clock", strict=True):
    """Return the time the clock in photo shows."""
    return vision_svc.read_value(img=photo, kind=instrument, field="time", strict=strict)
8:06
